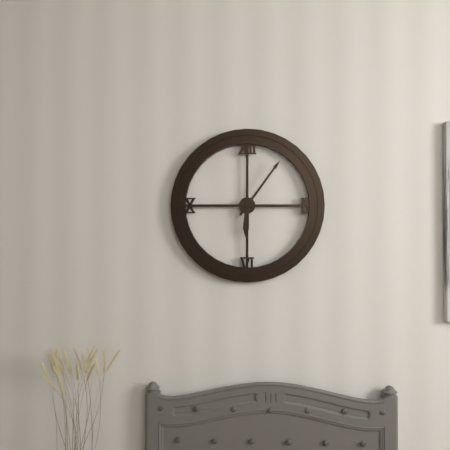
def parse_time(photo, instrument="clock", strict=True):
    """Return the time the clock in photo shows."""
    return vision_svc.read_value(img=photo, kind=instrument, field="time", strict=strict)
6:06
